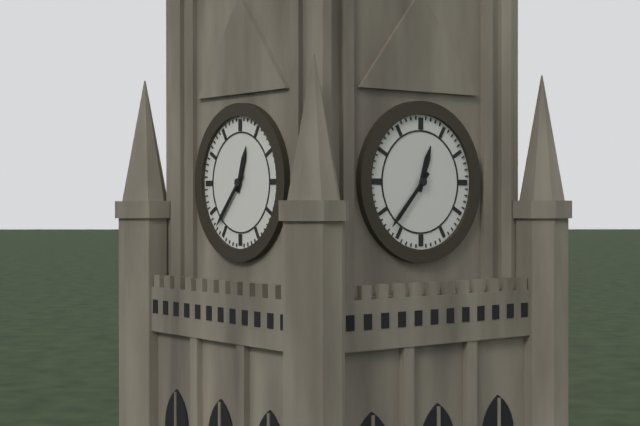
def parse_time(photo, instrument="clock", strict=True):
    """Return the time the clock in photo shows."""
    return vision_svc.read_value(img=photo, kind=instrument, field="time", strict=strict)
12:37
